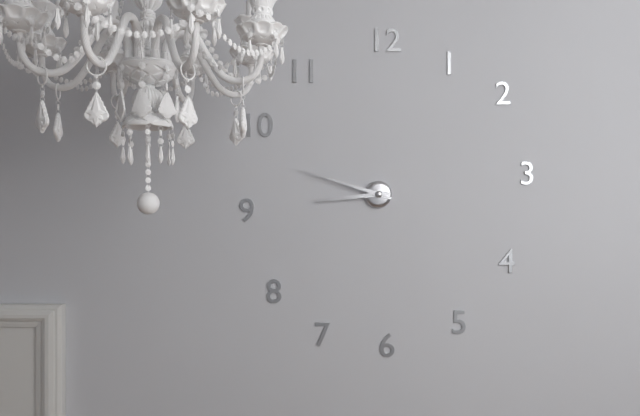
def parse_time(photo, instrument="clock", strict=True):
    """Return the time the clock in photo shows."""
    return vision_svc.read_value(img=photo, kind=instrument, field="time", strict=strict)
8:48
